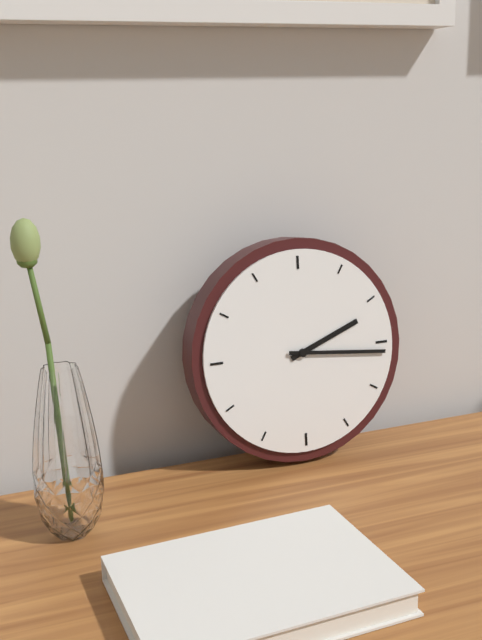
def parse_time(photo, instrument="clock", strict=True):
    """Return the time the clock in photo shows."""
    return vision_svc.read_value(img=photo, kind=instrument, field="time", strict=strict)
2:16
